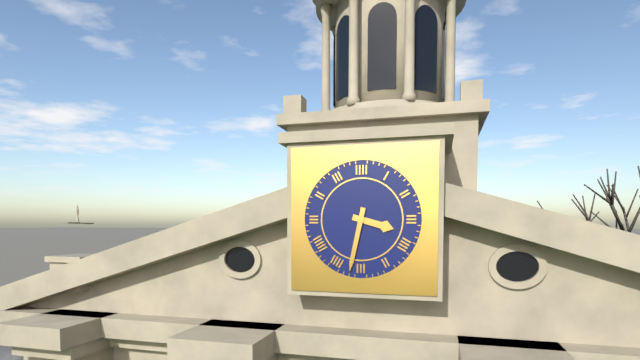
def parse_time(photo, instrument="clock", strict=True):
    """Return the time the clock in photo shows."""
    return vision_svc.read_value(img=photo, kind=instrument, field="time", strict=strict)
3:32
